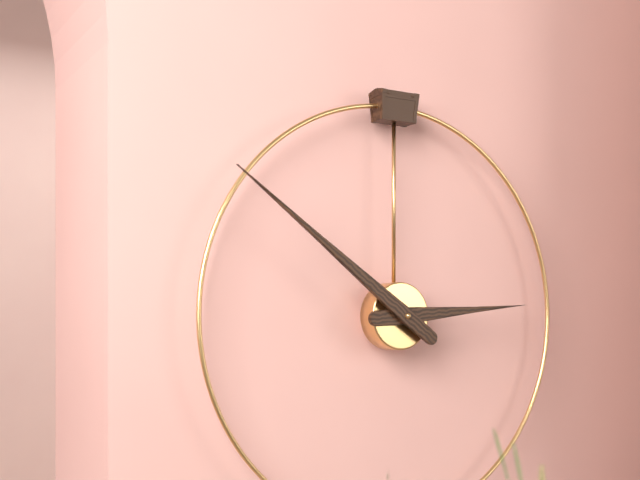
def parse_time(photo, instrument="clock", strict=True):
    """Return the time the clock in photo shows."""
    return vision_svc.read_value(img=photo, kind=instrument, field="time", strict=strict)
2:51
